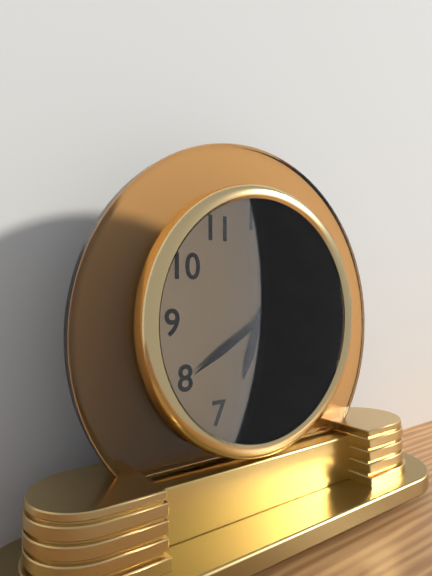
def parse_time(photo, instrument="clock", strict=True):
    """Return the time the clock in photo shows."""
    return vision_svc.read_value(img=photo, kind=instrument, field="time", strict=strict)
6:40
